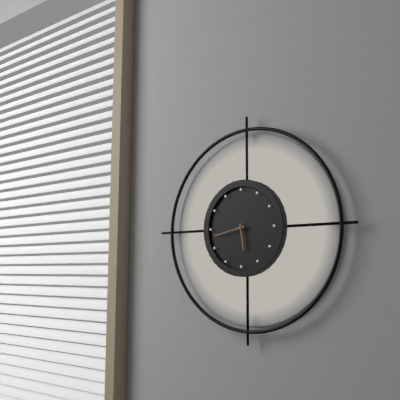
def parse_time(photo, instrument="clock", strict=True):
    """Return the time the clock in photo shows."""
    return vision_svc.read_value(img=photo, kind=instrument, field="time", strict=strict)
5:43
